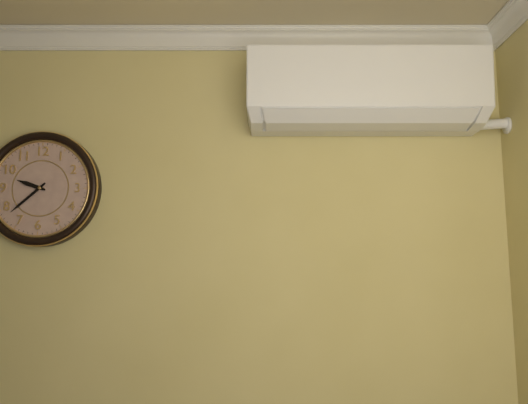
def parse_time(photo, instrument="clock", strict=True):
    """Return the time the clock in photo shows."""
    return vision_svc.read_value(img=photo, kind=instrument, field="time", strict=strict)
9:38
